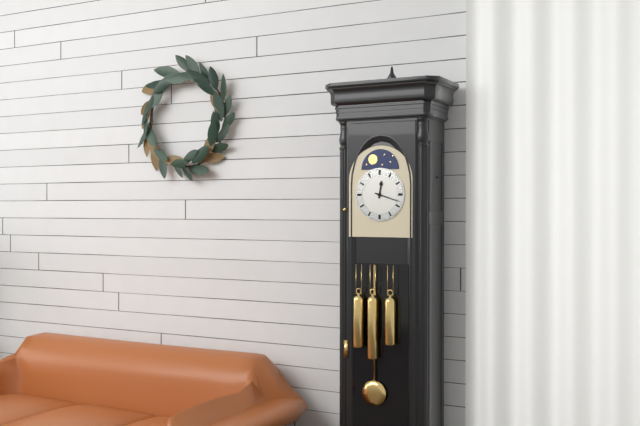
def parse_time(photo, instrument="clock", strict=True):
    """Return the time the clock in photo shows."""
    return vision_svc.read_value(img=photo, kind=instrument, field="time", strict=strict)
12:18
